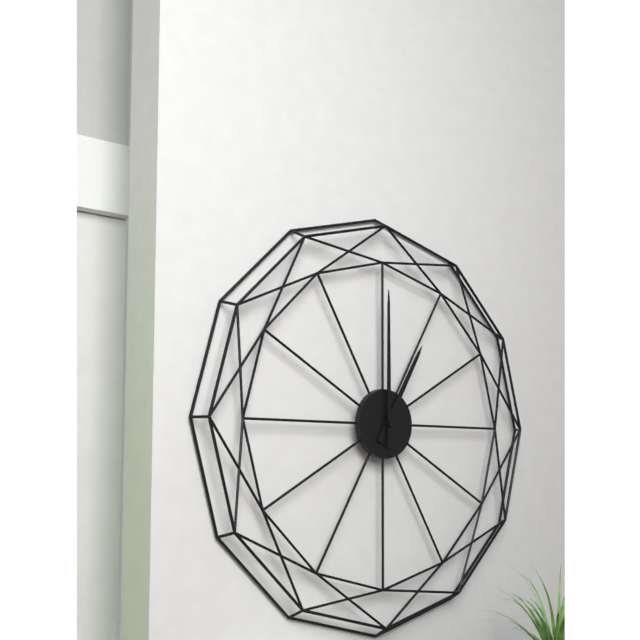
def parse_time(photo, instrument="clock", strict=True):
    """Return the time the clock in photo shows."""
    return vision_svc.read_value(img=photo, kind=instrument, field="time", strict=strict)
1:00
